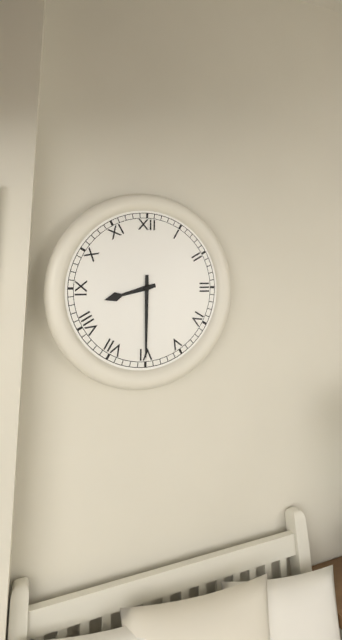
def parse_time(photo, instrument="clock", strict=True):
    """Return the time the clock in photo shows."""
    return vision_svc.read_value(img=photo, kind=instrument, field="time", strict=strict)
8:30
